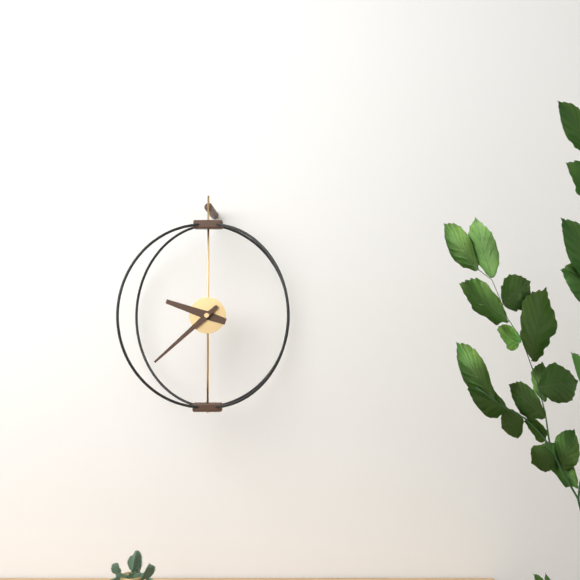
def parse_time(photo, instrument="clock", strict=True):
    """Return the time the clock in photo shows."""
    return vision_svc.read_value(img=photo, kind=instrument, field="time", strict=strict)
9:38
